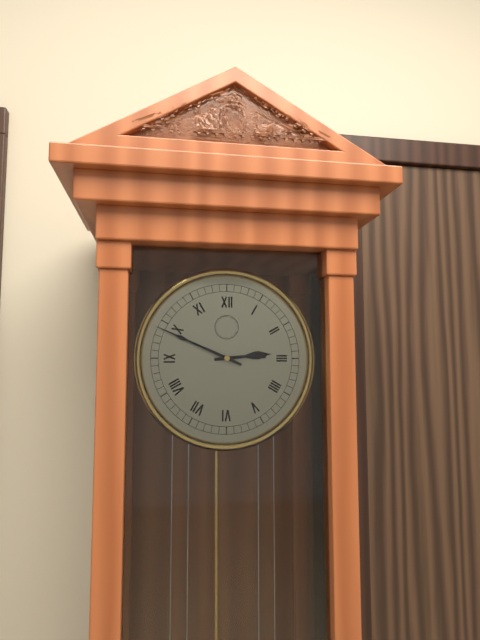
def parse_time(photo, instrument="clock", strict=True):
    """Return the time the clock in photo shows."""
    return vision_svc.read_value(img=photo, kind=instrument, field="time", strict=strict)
2:49
